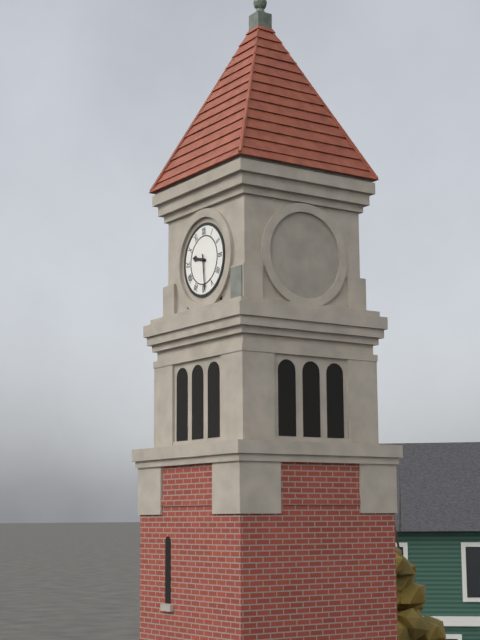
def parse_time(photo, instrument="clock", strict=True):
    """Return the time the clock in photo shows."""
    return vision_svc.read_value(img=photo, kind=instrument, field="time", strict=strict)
9:29
